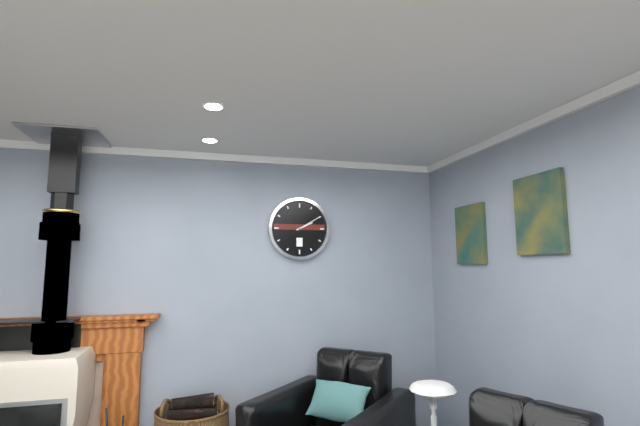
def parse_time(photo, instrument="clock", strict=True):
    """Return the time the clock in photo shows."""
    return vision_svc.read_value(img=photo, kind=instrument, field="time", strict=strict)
2:10
